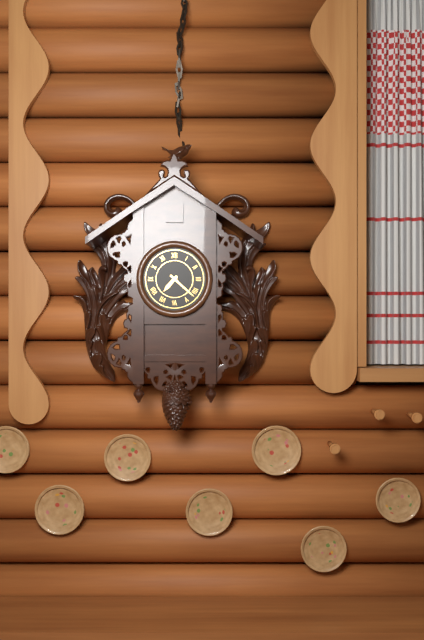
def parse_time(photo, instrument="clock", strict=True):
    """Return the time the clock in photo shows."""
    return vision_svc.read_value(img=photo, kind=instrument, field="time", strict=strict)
7:22
